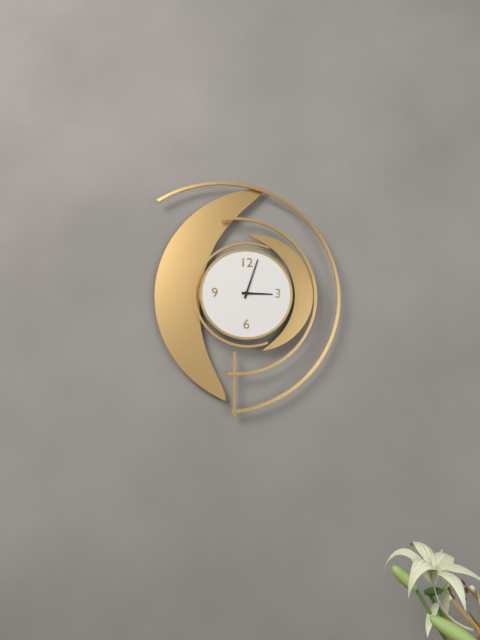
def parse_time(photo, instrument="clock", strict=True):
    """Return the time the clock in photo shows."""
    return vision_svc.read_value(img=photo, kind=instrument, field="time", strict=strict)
3:03
